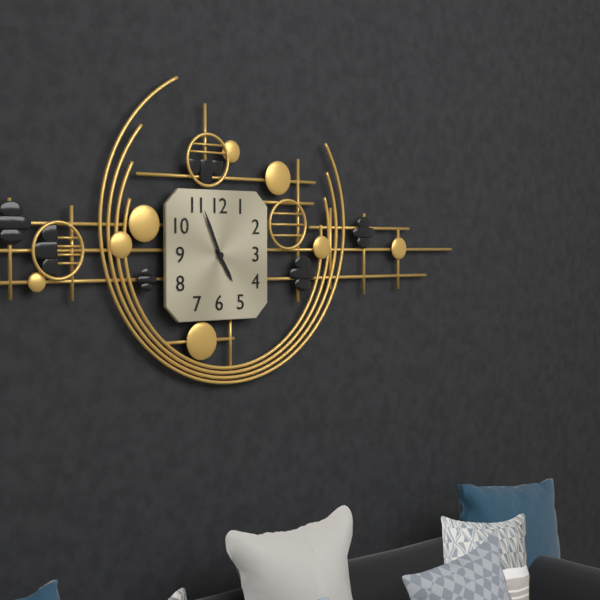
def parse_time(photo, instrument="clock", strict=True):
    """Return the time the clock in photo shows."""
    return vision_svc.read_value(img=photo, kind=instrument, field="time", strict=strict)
4:56
